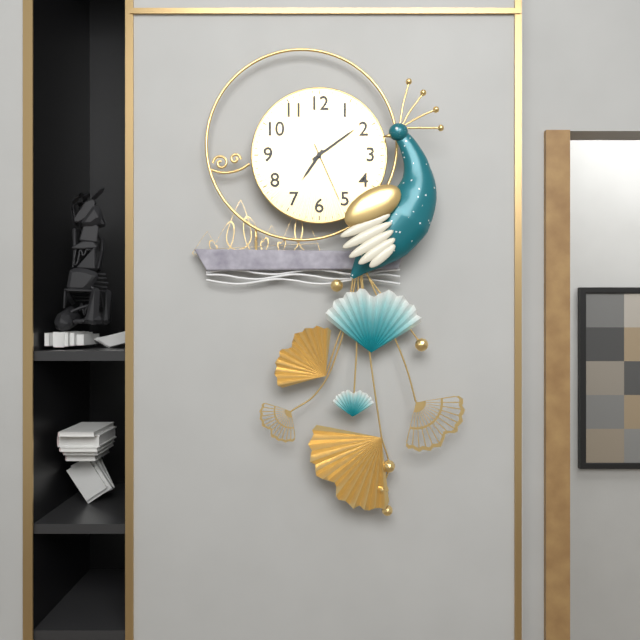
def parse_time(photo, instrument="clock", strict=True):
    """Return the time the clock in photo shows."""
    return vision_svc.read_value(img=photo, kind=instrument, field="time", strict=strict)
7:09:26
